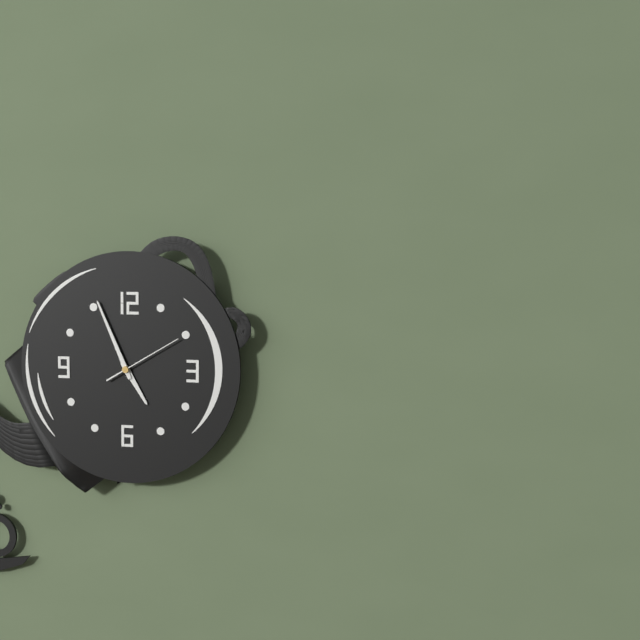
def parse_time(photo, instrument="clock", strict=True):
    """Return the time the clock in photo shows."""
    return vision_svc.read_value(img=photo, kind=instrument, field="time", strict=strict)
4:56:10
